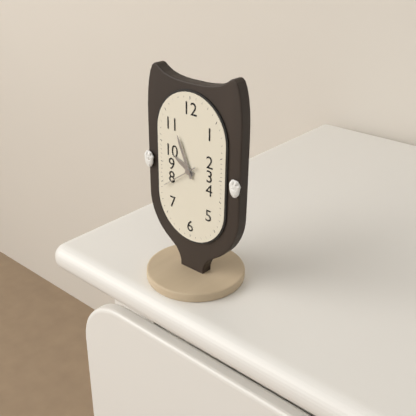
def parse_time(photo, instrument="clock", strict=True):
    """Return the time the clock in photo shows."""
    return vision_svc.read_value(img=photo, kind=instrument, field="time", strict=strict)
9:56
